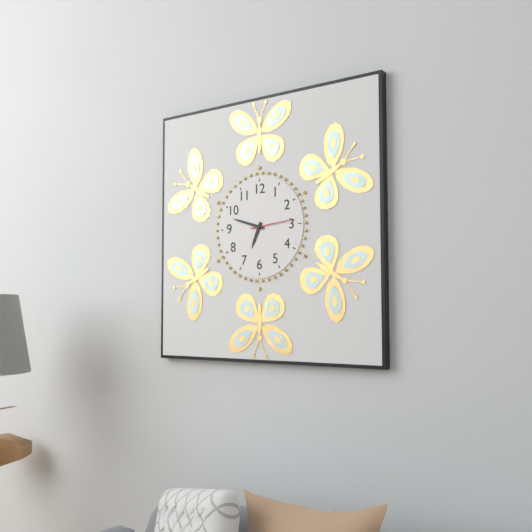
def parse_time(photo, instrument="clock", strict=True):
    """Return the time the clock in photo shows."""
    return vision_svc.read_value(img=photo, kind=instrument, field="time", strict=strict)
6:48
